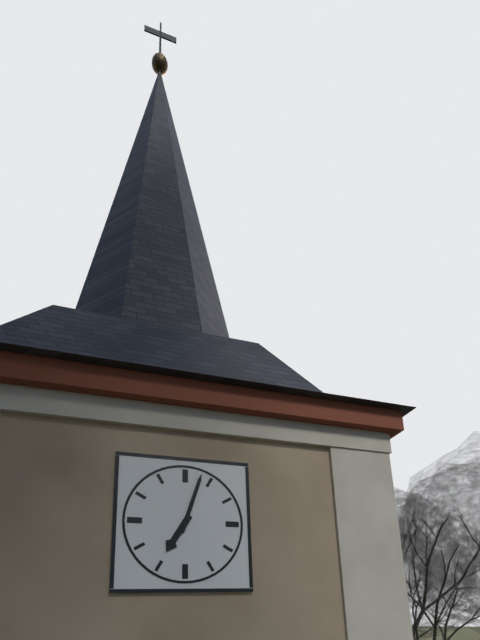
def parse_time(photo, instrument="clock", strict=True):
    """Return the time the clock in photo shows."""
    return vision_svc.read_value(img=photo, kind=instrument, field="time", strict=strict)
7:03
